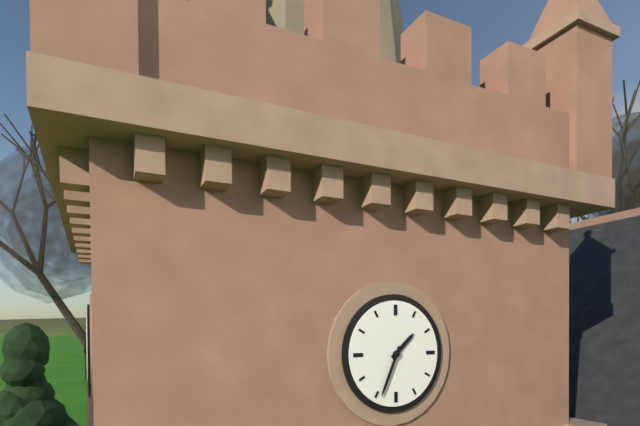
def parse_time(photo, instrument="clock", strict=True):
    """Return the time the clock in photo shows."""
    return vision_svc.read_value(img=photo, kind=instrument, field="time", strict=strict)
1:34
